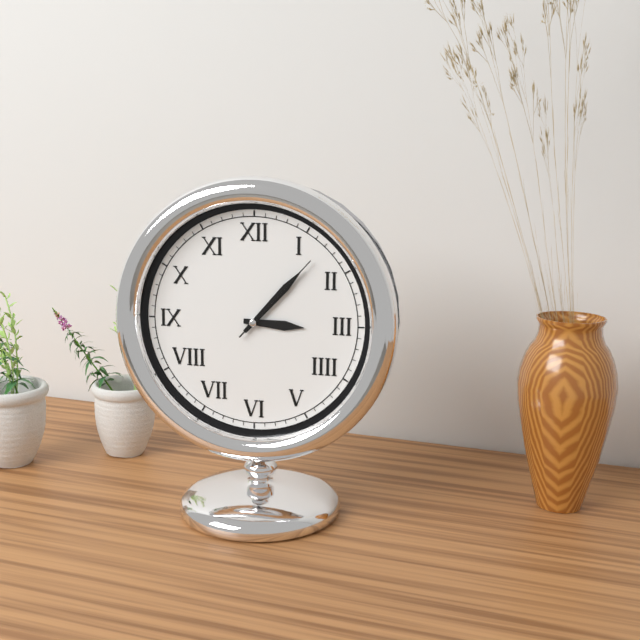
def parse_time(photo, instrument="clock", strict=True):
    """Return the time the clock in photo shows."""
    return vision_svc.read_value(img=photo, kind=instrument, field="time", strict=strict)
3:07:07
